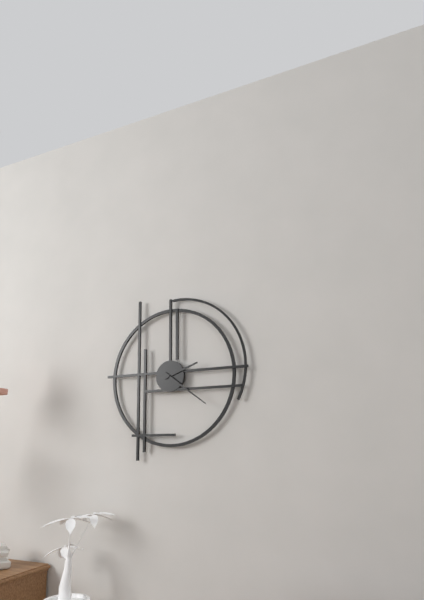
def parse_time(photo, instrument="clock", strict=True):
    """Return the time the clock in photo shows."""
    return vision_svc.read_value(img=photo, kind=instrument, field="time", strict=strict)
2:21
